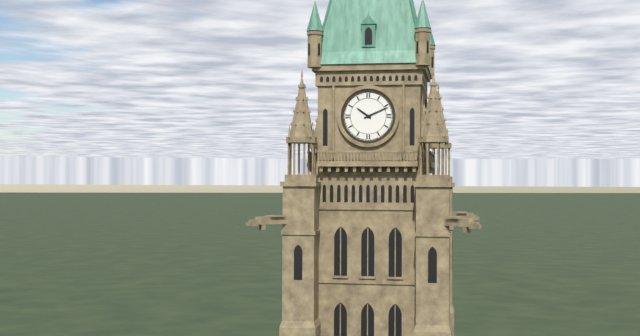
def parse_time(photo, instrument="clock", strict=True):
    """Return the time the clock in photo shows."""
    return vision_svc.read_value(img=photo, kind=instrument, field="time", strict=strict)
10:11
